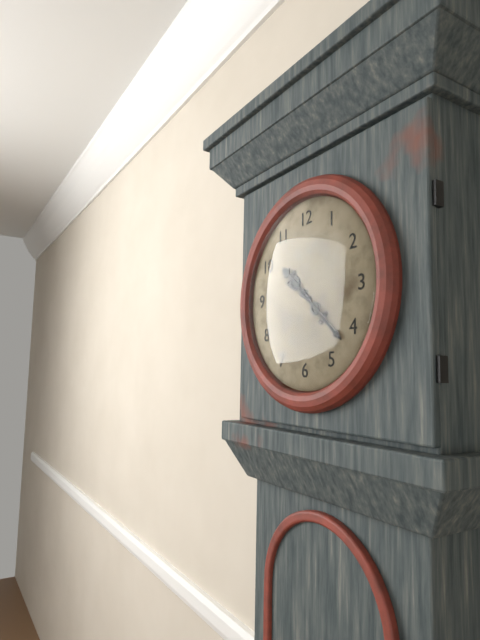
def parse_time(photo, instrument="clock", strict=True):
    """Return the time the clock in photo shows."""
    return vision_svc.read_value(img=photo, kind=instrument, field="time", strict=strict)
10:22
